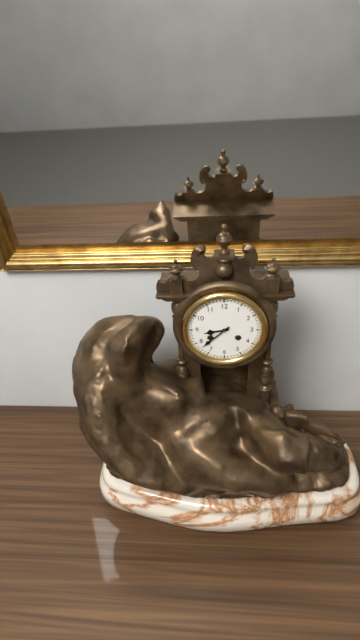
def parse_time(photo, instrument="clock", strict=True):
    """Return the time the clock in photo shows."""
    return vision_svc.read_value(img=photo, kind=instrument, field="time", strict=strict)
8:38
